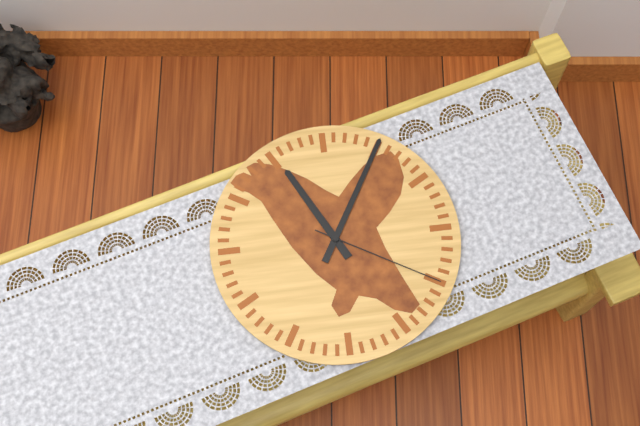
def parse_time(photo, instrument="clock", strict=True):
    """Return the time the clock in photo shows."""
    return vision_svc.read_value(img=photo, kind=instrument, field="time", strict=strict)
11:05:20
